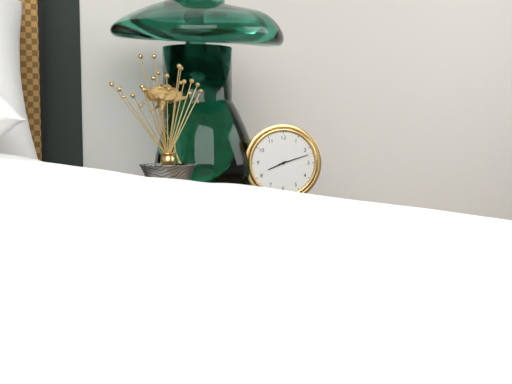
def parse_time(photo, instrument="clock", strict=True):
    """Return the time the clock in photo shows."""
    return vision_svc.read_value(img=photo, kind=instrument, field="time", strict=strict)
8:12
